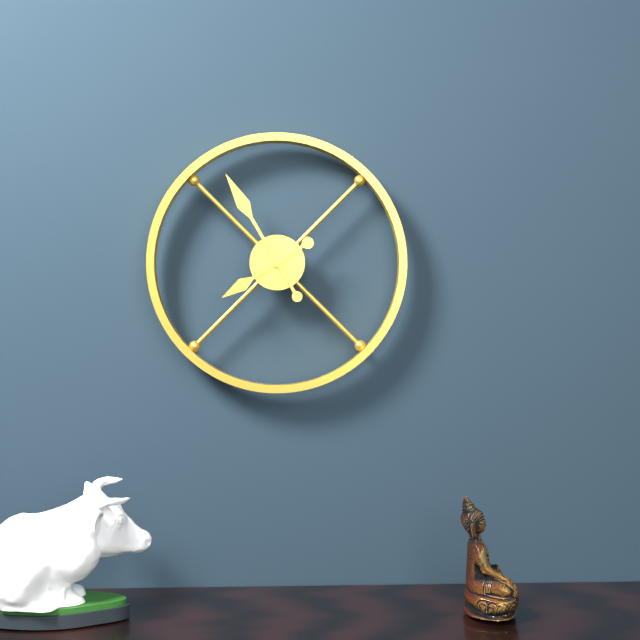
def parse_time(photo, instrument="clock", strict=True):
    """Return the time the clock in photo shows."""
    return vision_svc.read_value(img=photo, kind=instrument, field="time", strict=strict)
7:55
